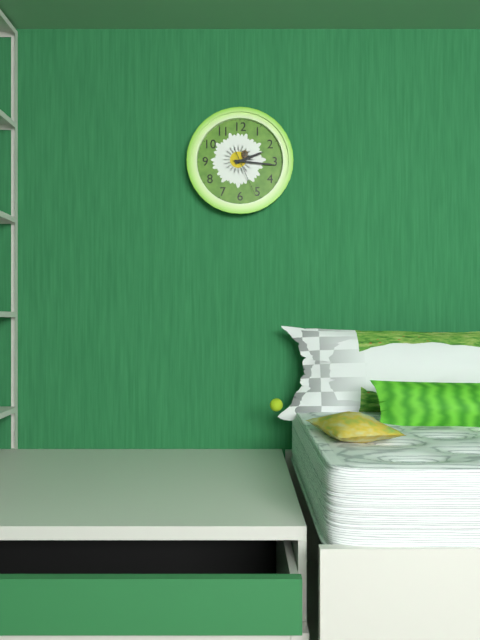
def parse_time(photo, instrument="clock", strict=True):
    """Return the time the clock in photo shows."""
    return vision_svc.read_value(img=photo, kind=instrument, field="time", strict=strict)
2:16
